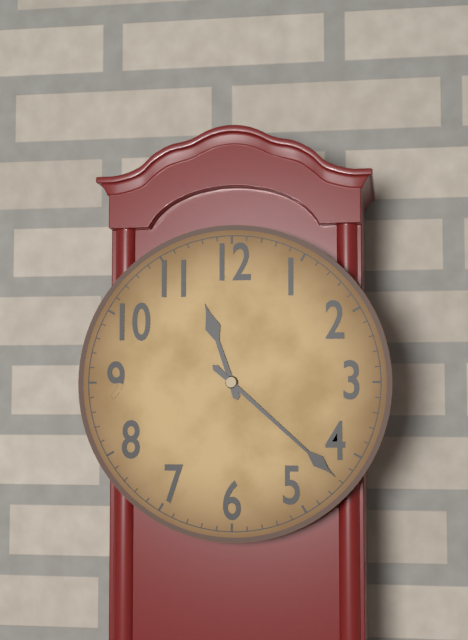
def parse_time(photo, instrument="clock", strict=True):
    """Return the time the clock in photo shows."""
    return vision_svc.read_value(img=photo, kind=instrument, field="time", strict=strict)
11:22
